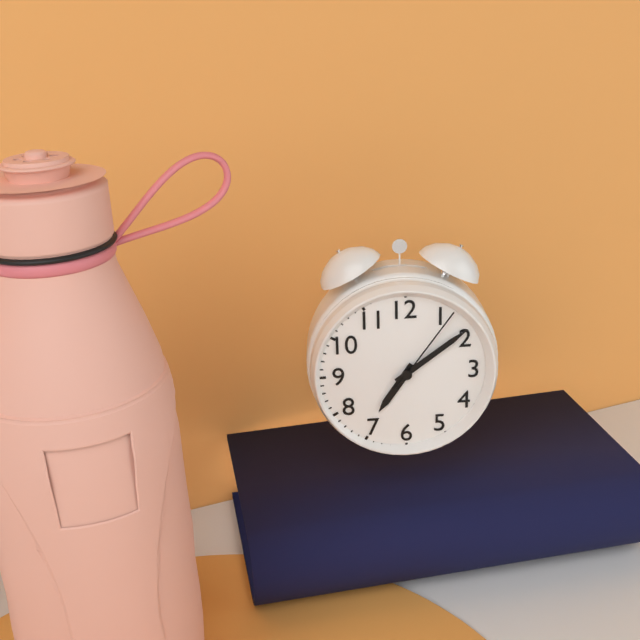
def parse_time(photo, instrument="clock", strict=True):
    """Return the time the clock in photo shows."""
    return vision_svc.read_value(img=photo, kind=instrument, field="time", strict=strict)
7:09:06
